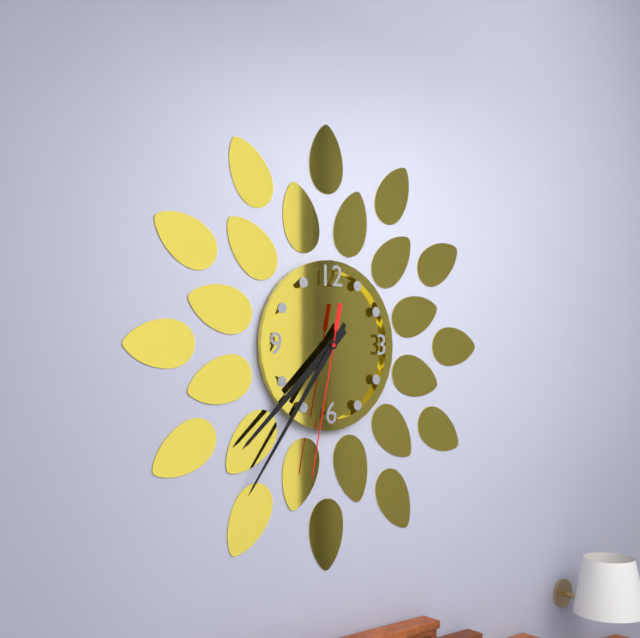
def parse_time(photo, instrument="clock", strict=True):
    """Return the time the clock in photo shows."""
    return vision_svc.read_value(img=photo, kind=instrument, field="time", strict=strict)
7:36:32
